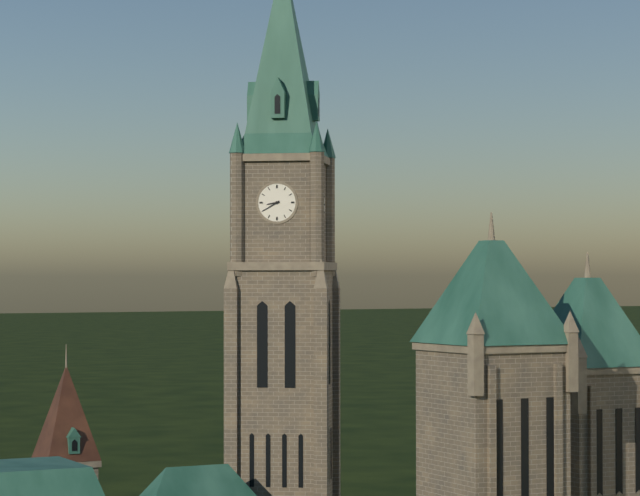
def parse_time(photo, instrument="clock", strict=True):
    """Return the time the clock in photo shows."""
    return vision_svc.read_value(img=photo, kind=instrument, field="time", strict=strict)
8:40
